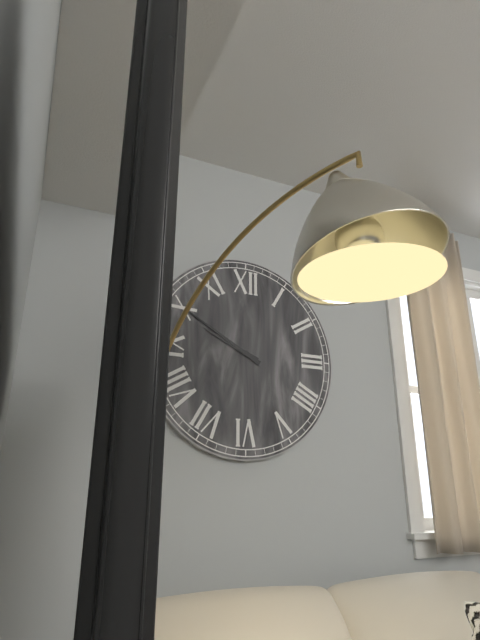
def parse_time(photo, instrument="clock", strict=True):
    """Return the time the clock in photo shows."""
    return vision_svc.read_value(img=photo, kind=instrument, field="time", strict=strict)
9:50
